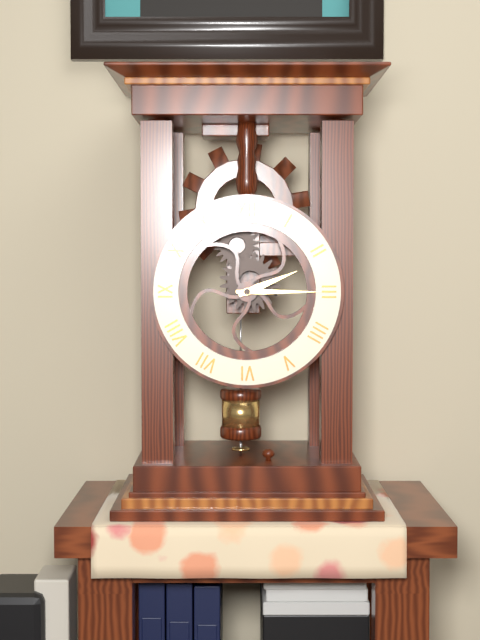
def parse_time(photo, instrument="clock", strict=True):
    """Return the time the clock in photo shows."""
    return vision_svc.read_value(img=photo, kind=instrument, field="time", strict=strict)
2:15
